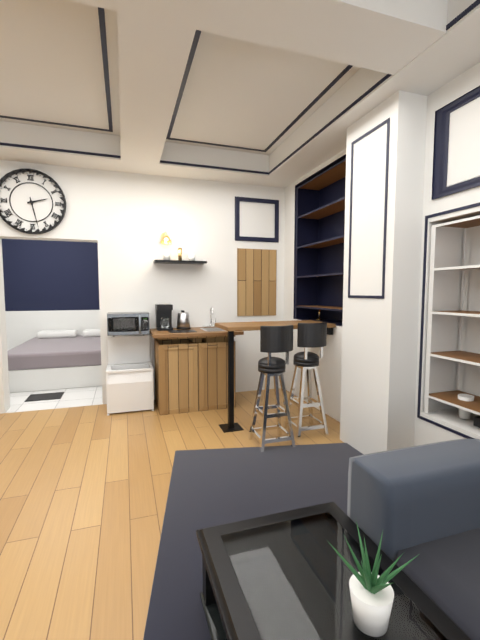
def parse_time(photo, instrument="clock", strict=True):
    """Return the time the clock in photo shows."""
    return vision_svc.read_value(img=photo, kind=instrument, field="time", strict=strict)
2:28
